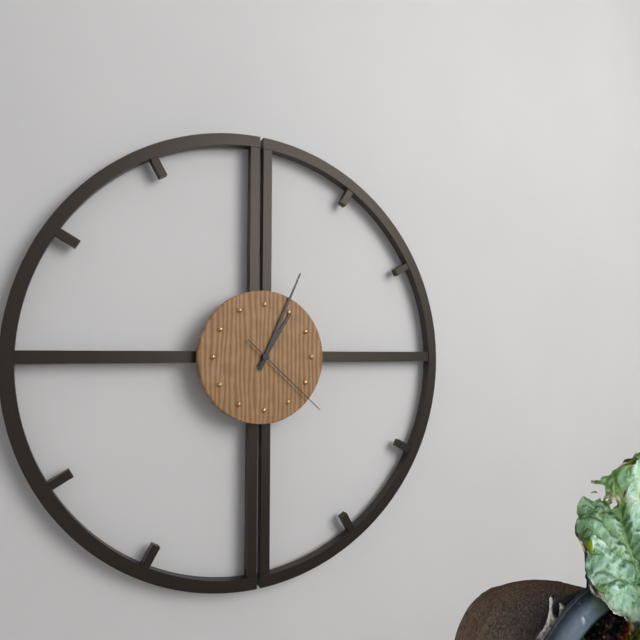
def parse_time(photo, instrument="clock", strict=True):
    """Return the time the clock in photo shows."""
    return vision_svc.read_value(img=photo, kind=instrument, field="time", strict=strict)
1:04:22
